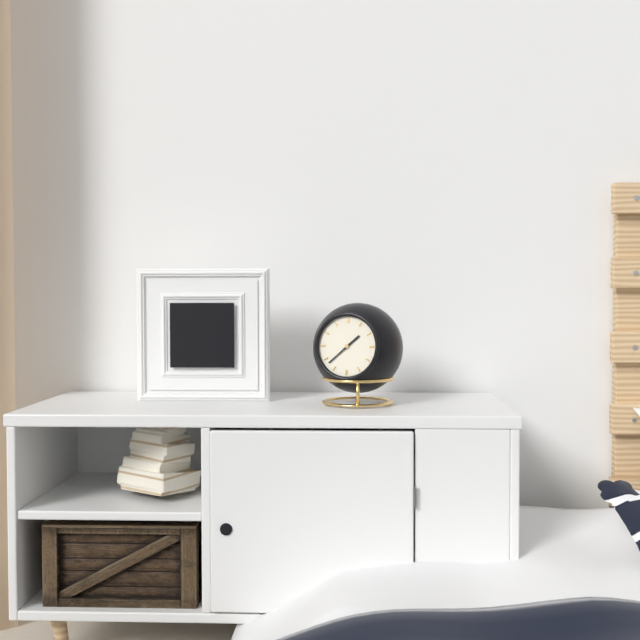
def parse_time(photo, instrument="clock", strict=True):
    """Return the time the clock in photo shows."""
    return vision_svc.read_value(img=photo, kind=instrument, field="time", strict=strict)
1:38
